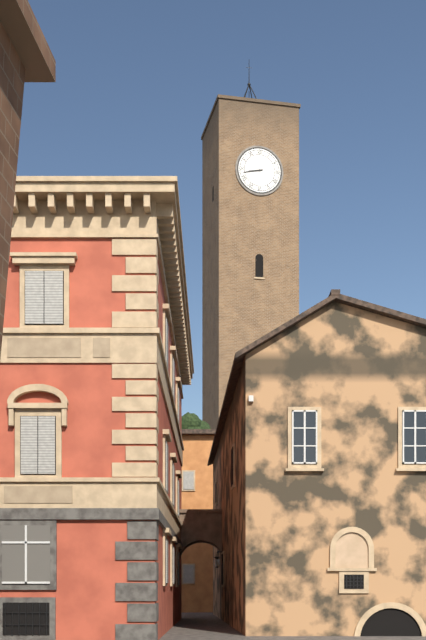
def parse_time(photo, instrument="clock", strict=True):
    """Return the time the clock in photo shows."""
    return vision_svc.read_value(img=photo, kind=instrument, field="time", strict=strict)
8:43
